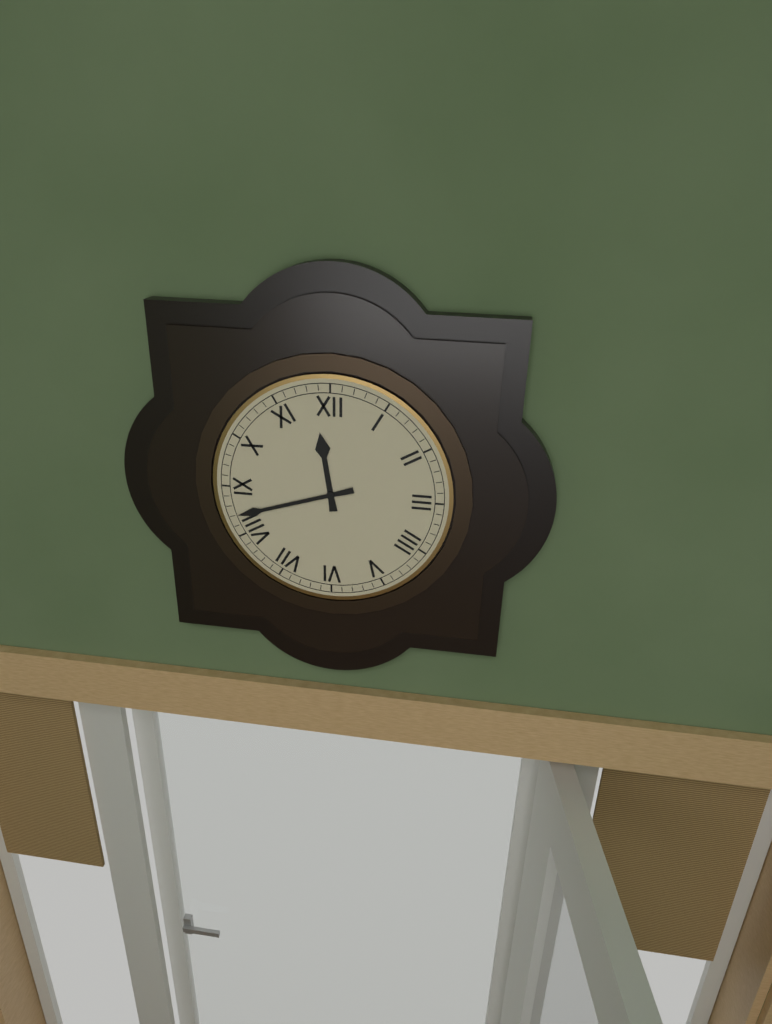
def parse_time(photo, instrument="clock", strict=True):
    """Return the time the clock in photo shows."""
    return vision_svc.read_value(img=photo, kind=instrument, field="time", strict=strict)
11:42
